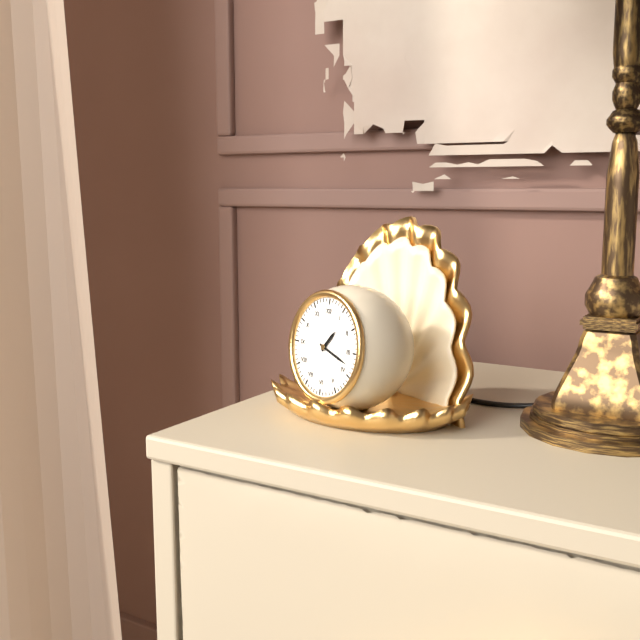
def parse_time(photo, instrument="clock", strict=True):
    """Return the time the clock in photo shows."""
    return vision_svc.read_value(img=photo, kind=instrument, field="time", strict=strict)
1:18
